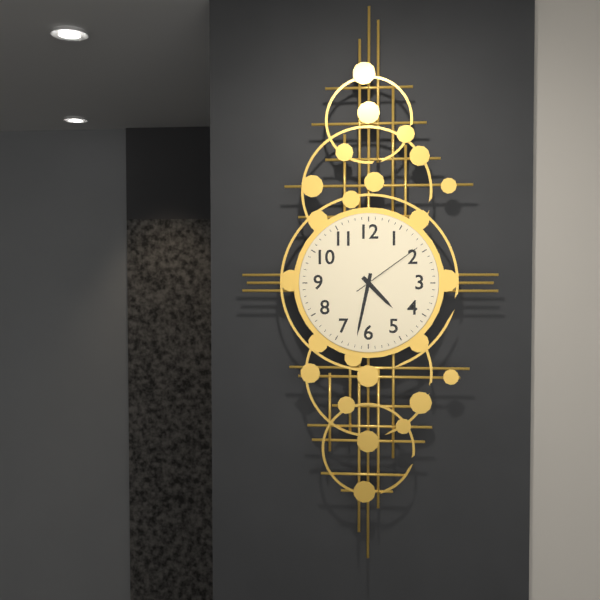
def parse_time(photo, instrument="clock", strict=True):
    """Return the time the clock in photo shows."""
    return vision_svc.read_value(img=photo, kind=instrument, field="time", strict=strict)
4:32:09
